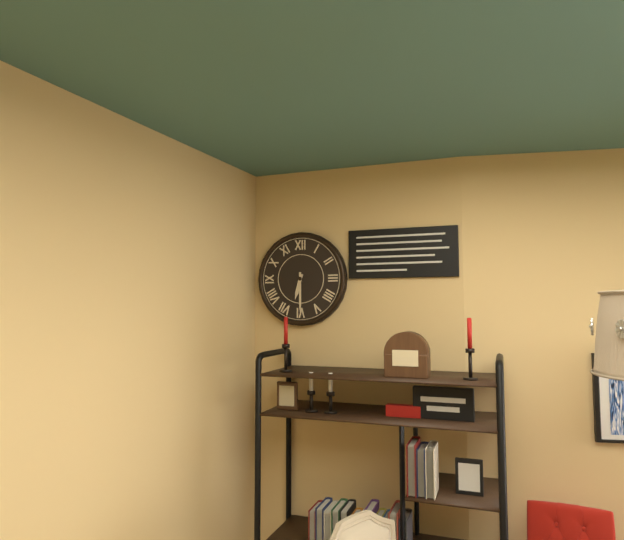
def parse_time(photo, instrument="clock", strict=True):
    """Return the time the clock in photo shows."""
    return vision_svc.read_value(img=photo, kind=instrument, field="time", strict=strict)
6:30
